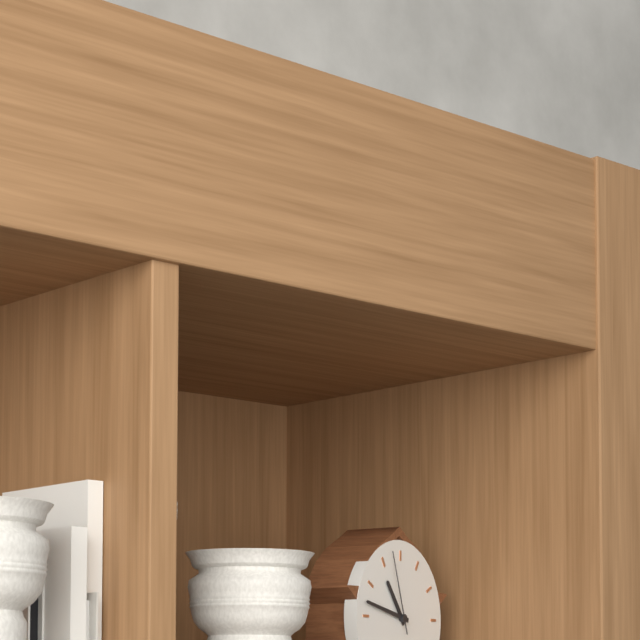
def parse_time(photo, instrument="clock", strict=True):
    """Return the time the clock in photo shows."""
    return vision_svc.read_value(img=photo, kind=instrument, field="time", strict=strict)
10:47:57
